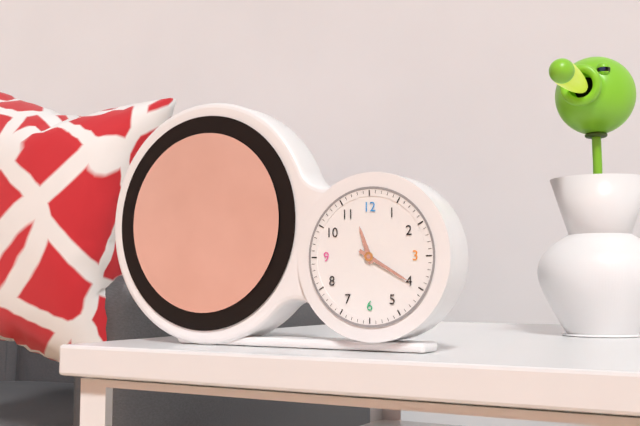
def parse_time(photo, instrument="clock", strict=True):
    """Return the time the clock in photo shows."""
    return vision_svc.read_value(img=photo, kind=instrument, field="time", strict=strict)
11:20
